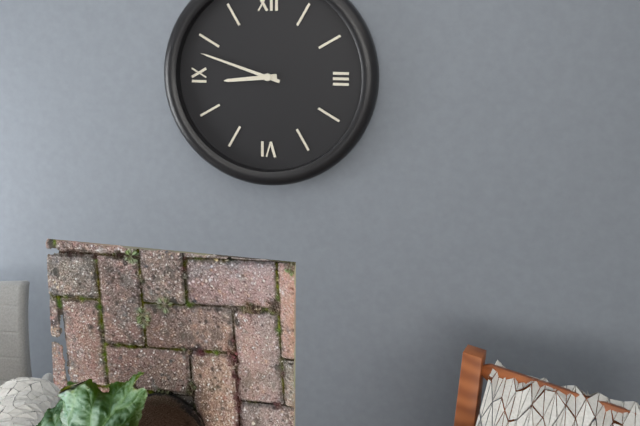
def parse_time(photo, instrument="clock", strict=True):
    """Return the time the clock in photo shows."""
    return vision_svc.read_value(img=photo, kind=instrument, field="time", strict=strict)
8:48
